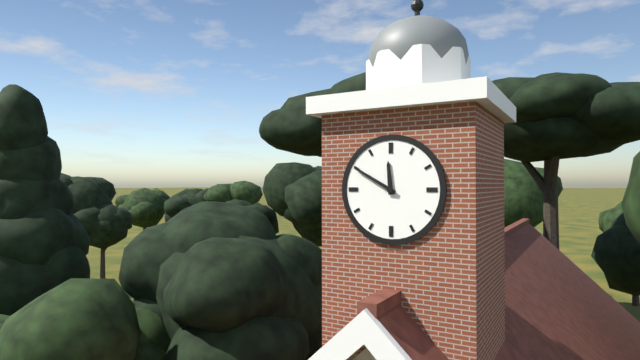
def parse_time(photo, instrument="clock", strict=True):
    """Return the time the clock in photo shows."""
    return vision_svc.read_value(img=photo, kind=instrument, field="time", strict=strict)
11:50
